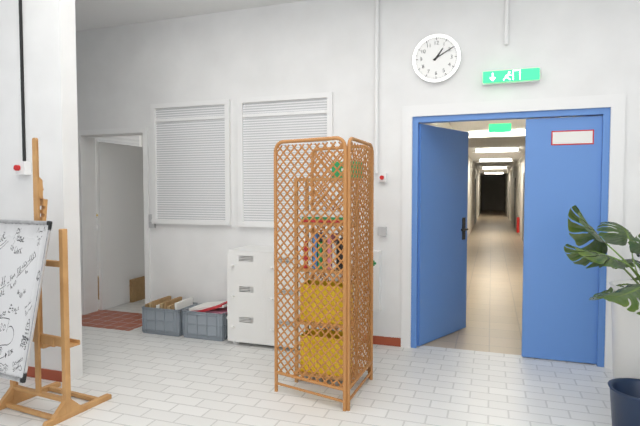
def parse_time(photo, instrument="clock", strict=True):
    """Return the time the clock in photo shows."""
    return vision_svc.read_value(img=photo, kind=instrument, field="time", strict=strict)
1:10
